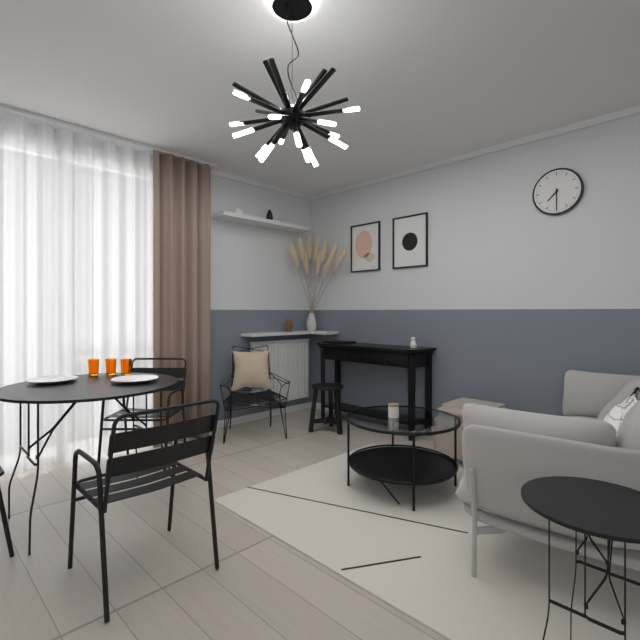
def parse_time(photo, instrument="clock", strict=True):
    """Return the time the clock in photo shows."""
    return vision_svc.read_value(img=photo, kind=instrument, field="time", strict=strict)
7:30
